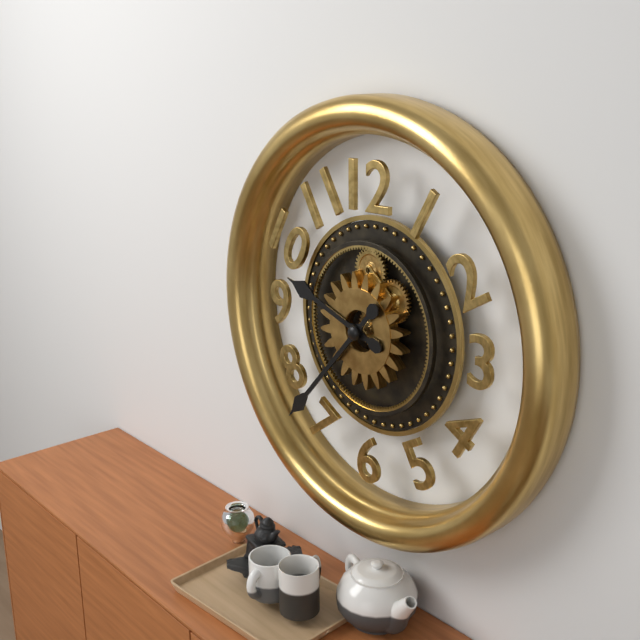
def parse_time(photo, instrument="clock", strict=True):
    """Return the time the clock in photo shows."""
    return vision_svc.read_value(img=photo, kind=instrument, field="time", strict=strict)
9:37
